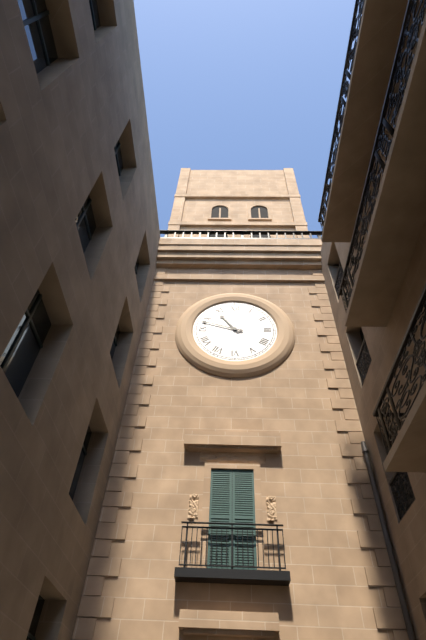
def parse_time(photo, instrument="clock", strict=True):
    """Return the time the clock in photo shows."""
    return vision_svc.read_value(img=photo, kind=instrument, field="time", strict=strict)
10:48
